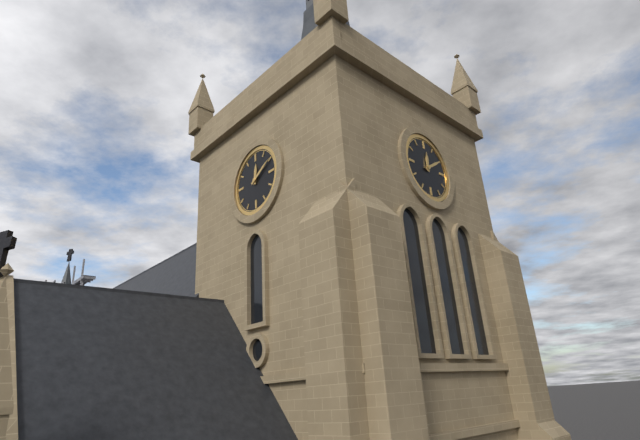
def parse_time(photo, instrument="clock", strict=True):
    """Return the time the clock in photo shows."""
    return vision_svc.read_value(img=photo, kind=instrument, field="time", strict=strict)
12:10
